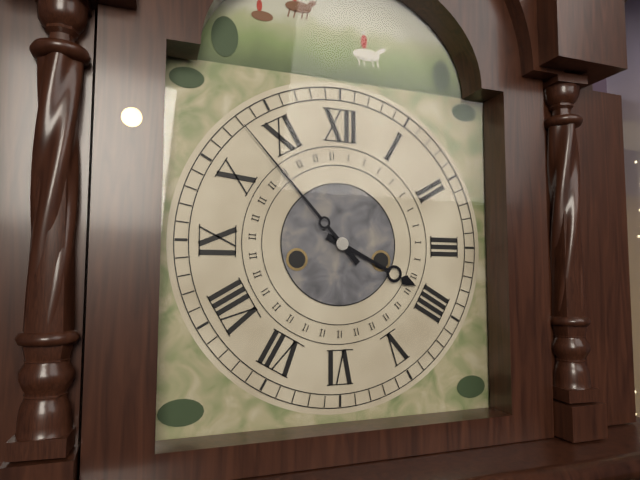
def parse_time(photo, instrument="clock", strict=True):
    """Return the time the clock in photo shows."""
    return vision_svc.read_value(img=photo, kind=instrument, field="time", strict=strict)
3:53
